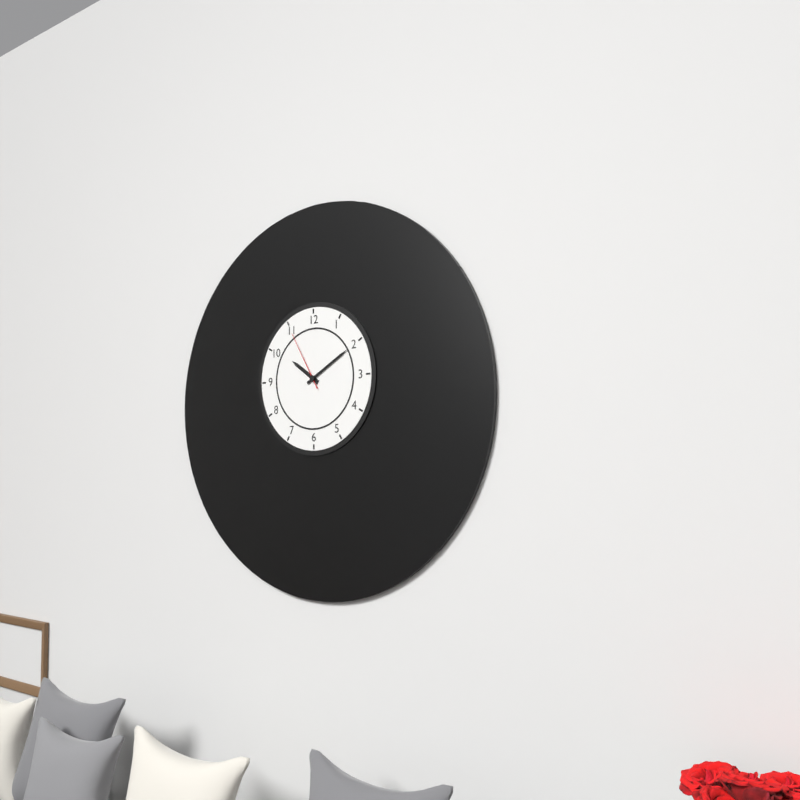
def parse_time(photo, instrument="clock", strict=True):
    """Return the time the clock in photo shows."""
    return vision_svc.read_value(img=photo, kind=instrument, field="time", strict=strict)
10:10:55
